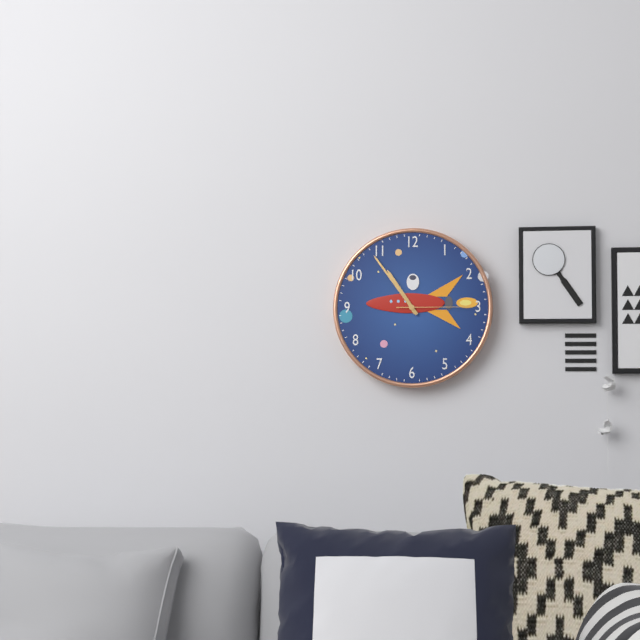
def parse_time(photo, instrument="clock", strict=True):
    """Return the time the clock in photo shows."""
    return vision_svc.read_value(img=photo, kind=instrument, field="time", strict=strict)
10:54:15
